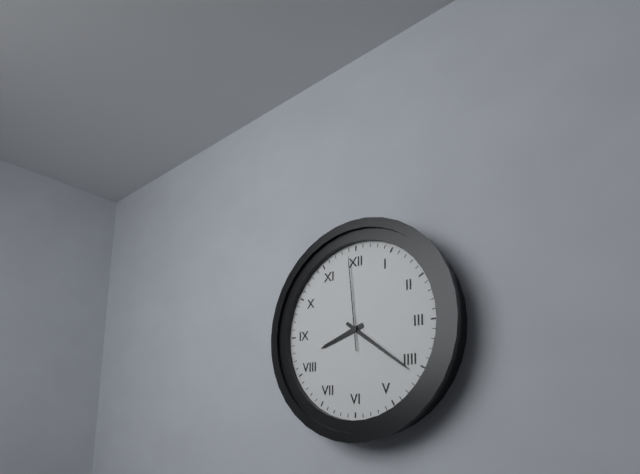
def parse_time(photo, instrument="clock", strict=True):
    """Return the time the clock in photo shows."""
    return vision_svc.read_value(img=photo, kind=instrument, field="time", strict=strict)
8:21:59
